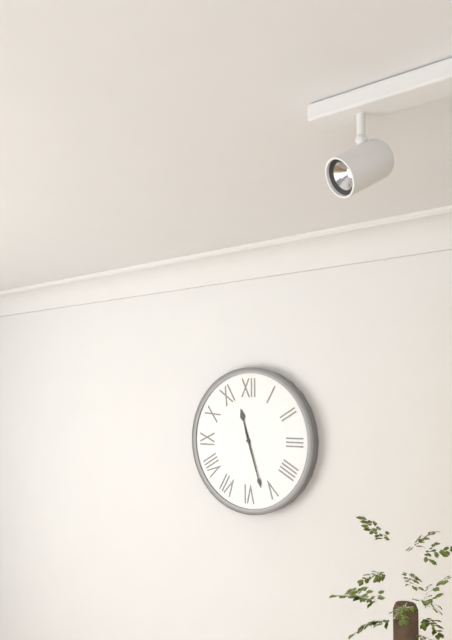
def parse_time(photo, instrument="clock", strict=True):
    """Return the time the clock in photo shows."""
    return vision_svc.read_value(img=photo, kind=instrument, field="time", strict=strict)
11:27
